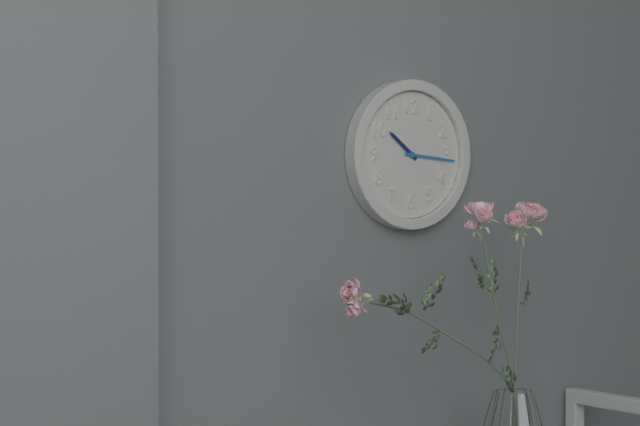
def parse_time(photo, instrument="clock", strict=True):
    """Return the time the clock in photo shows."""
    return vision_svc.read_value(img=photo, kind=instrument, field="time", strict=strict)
10:16
